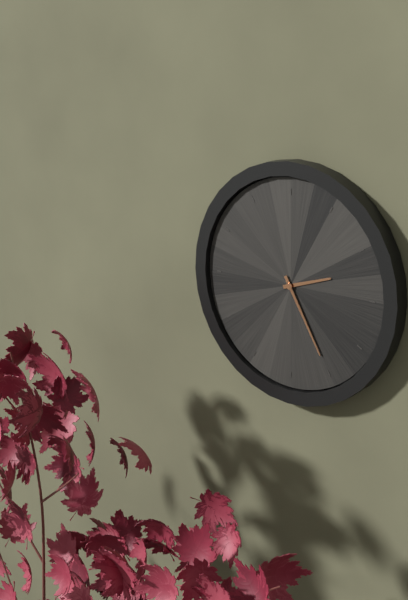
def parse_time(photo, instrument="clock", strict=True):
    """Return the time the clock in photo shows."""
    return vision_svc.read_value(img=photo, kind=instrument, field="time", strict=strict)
2:25
